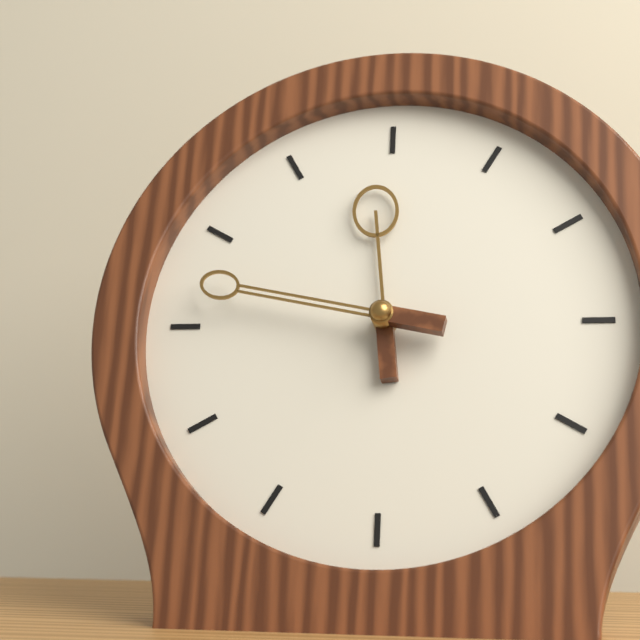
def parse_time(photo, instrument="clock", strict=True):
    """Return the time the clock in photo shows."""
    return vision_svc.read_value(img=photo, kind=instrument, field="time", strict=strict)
11:47
